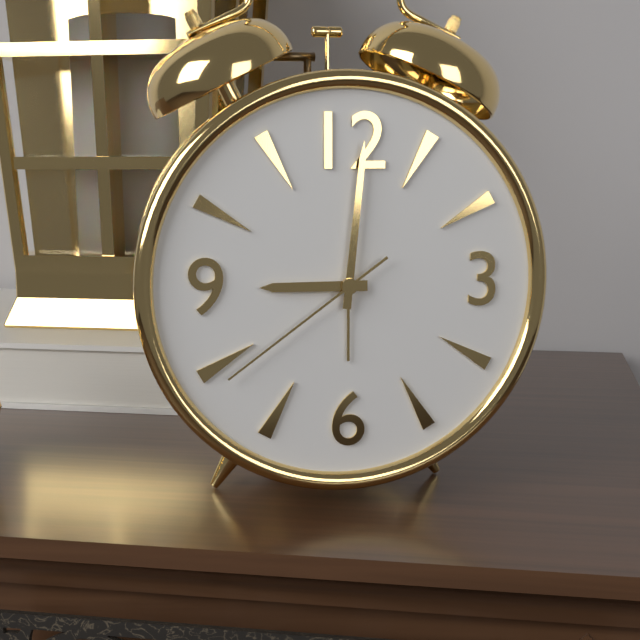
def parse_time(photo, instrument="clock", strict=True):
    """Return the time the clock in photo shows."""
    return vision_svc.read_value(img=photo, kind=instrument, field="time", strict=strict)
9:01:39
